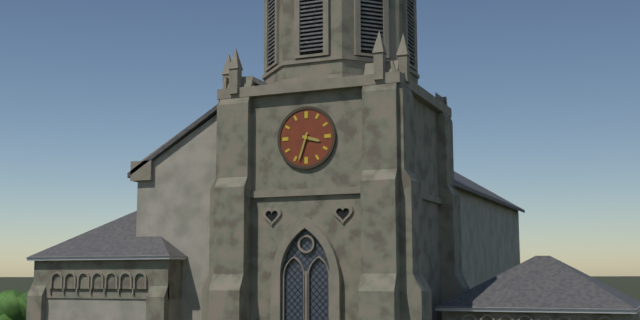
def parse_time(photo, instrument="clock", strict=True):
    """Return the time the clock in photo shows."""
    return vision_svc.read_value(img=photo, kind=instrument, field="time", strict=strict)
3:33
